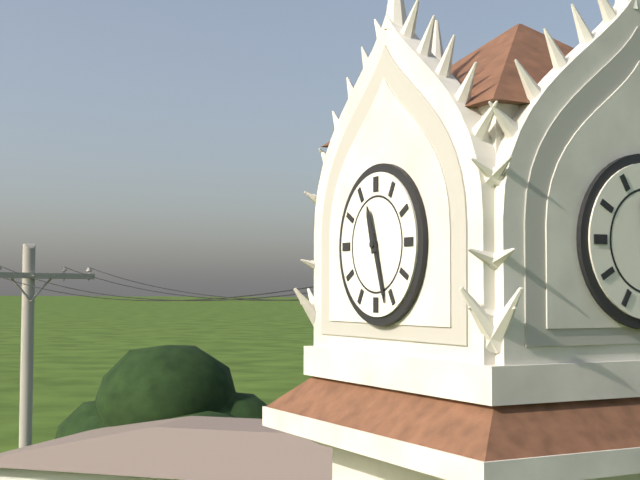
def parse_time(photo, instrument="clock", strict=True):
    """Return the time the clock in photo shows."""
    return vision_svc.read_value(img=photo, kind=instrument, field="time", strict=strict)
11:27
